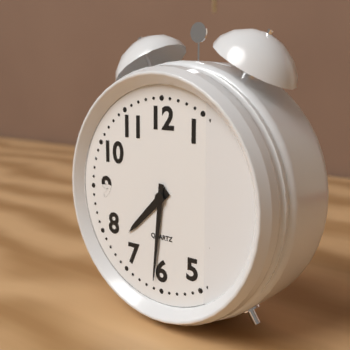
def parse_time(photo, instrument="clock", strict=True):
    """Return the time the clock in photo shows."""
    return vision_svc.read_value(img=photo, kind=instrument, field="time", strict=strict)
7:31
